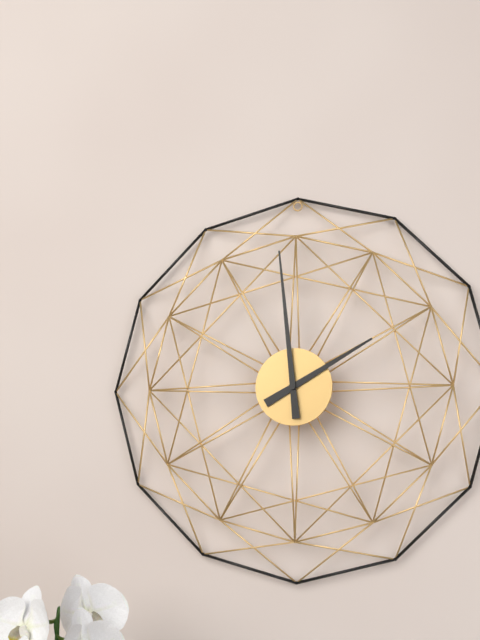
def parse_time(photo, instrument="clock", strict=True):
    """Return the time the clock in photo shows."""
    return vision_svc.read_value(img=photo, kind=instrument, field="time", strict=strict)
1:59
